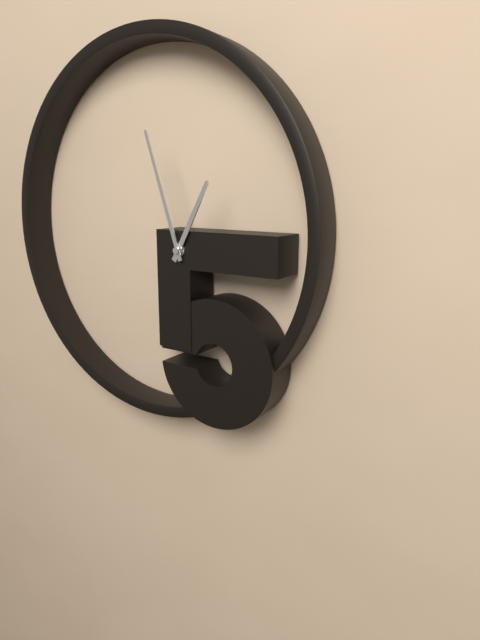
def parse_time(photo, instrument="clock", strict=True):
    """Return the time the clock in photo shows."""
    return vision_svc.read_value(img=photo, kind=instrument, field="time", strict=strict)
12:57
